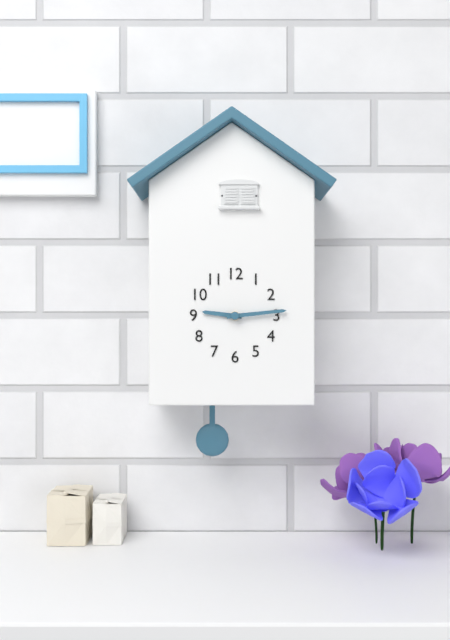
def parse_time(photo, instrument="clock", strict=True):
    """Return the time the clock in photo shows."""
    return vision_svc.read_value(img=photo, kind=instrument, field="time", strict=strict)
9:14
